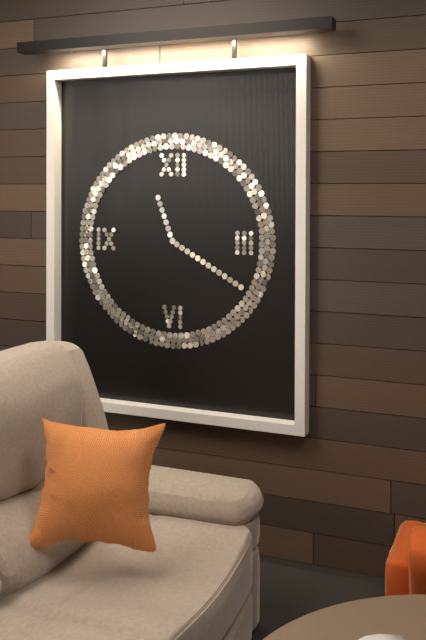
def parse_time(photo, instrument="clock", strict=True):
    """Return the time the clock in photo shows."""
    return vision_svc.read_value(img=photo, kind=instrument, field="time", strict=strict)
11:20
